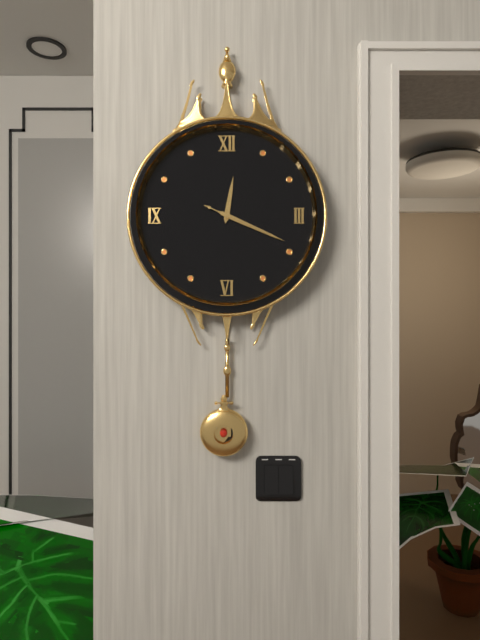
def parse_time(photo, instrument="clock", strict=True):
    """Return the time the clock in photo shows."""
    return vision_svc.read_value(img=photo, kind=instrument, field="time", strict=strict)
12:19:19
